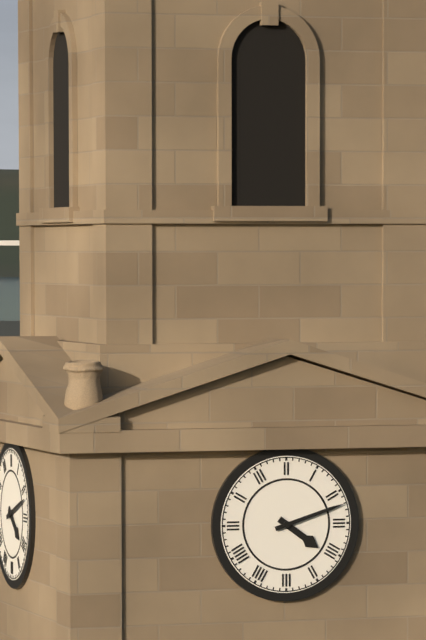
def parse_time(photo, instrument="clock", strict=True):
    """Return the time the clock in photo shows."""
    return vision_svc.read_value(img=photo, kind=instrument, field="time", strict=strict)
4:12
